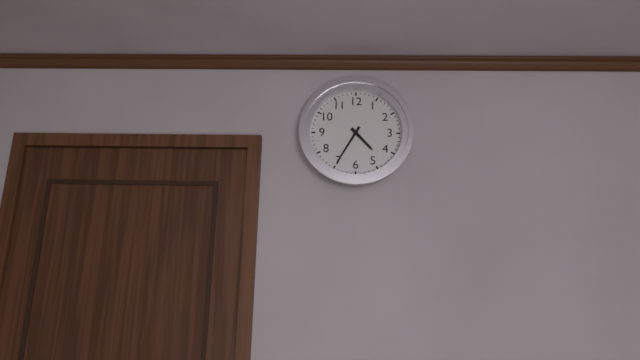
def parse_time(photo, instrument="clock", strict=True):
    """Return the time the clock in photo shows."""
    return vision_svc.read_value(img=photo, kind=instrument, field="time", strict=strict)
4:35
